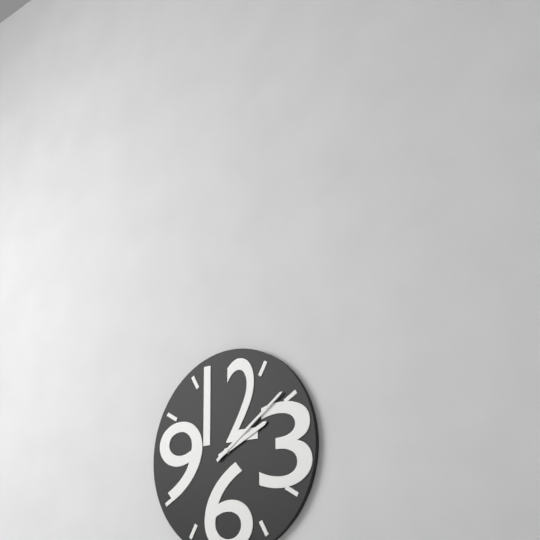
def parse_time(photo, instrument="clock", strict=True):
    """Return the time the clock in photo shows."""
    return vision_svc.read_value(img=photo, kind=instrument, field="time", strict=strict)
2:09
